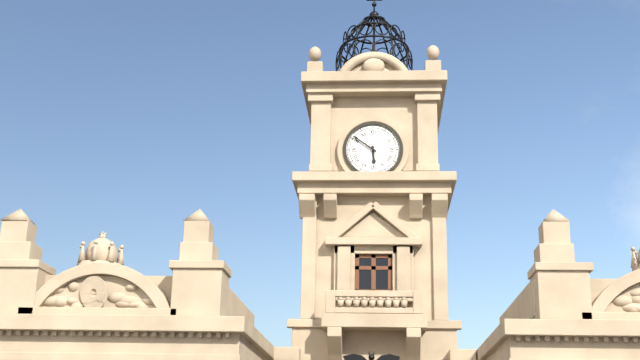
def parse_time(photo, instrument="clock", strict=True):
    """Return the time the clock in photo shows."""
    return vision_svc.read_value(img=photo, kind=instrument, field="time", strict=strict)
5:51
